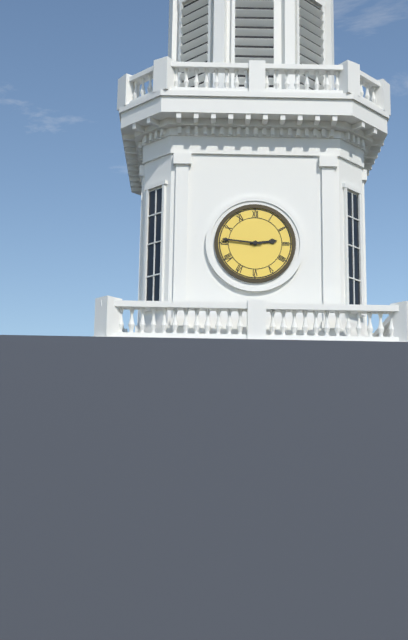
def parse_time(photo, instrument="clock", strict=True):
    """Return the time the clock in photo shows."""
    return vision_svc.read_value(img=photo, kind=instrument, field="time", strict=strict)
2:46
